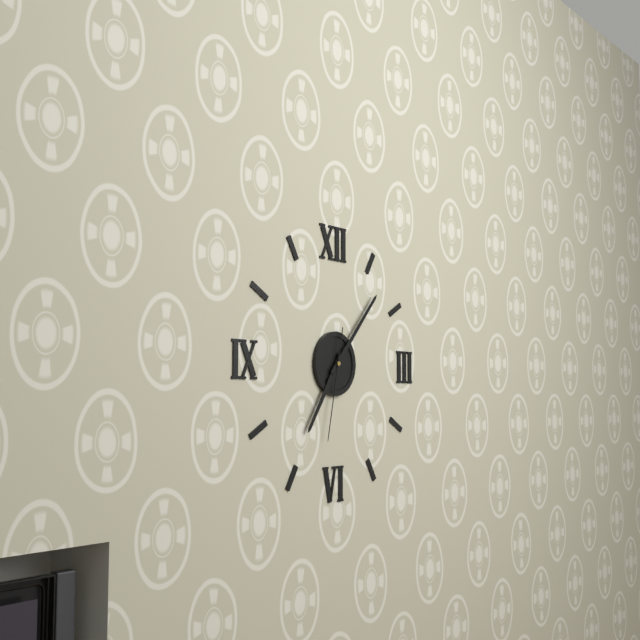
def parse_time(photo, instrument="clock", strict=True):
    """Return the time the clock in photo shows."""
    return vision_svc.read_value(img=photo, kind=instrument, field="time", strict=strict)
7:07:32
